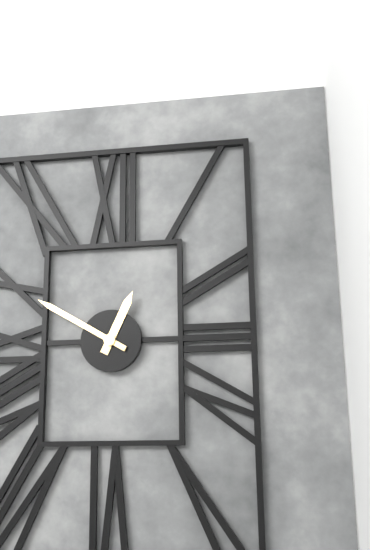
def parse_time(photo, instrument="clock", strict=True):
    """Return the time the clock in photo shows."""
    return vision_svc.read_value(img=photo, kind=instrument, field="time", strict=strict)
12:50
